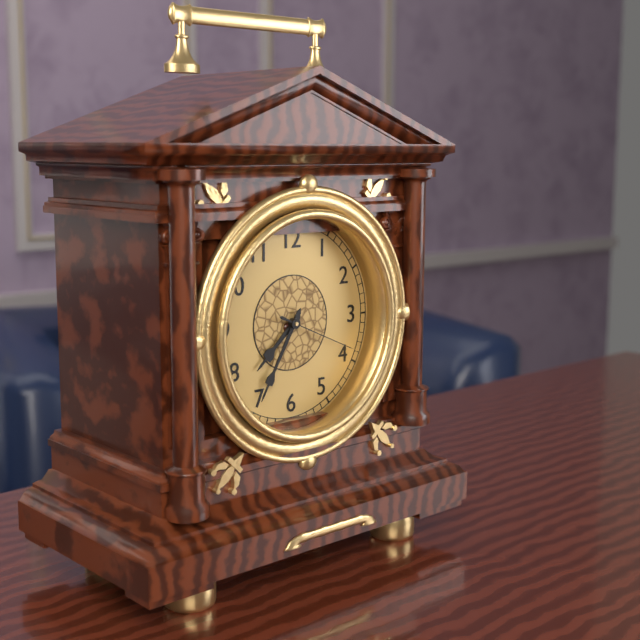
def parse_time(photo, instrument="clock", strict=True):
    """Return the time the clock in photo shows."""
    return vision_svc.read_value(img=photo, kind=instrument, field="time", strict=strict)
7:35:19
